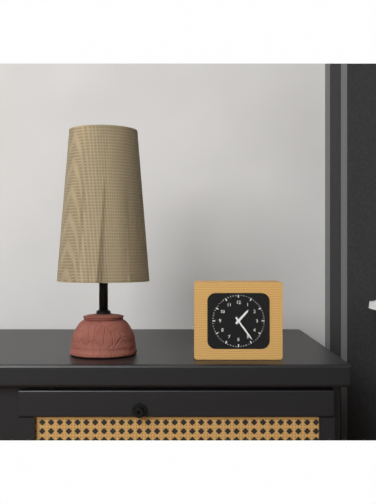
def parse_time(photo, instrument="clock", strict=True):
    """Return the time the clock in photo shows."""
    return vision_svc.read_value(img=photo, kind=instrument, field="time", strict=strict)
1:24
